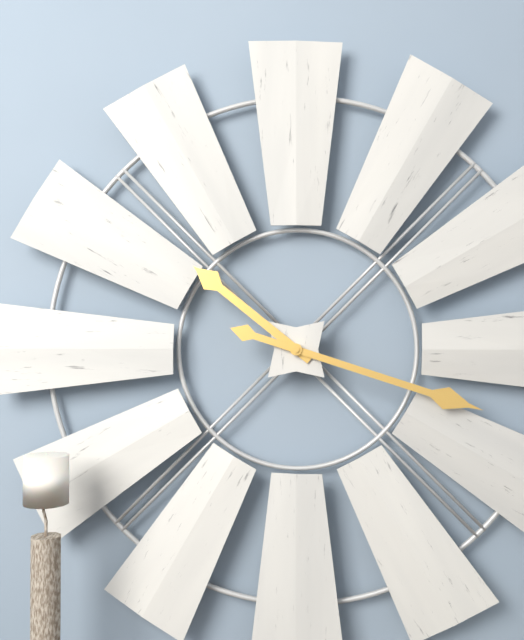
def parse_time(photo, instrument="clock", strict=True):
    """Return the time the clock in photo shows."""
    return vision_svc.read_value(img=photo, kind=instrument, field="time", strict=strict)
10:18
